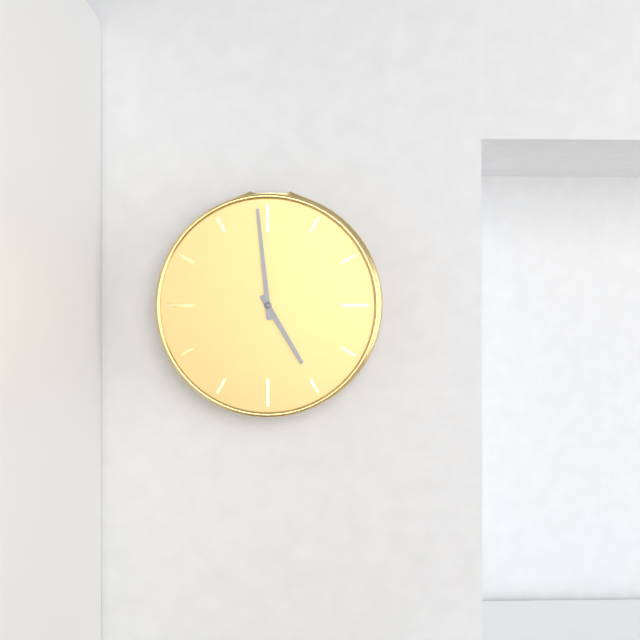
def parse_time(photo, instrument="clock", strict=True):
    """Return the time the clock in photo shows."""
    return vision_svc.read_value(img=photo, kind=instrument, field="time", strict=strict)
4:59
